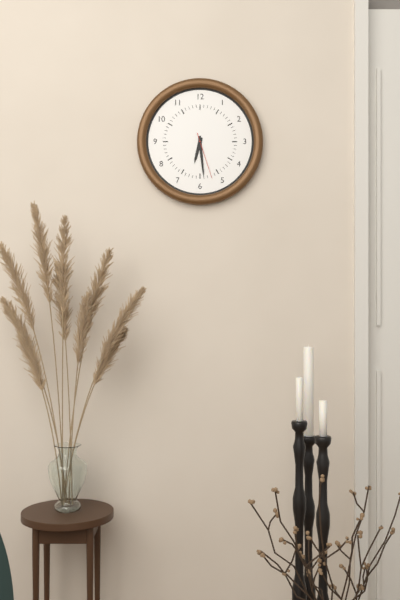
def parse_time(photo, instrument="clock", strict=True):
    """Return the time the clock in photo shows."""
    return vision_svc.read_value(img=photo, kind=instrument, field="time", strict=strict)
6:29
